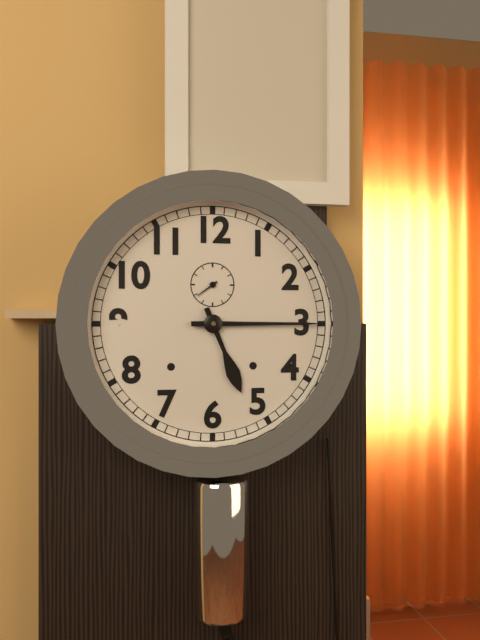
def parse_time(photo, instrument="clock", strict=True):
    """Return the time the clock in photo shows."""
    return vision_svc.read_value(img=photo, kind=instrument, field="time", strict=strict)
5:15
